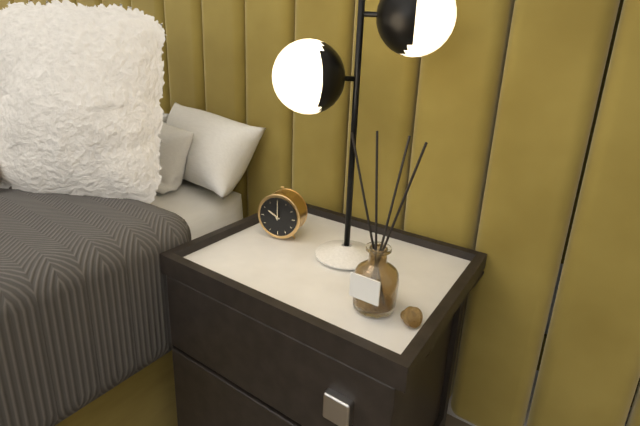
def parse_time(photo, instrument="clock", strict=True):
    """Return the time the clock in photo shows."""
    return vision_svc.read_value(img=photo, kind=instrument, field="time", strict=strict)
10:00
